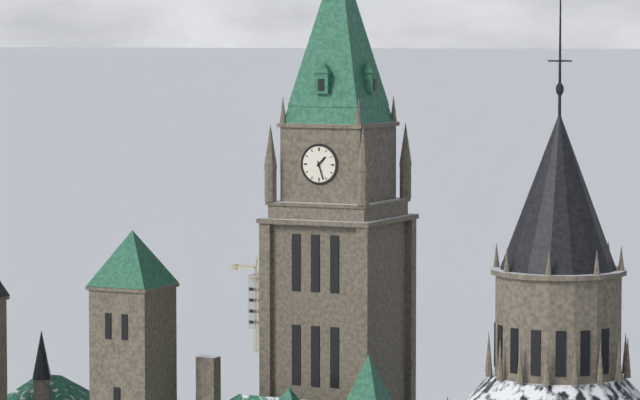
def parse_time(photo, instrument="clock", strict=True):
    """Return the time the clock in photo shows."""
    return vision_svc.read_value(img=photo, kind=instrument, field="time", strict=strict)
1:27
